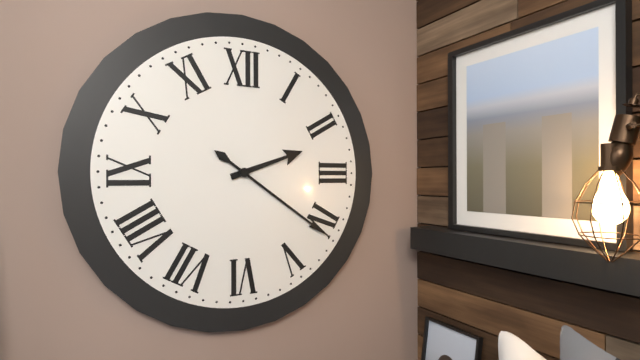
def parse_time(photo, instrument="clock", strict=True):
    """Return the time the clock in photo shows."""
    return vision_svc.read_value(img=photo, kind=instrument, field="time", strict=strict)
2:21
